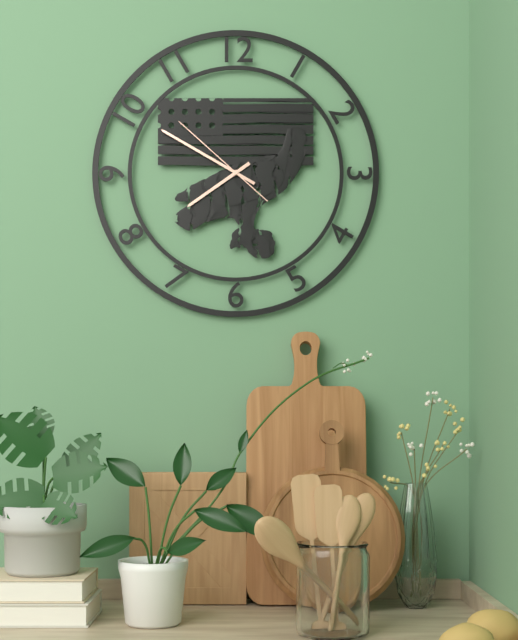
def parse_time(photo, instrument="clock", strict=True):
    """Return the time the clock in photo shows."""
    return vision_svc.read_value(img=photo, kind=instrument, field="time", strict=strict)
7:50:52
